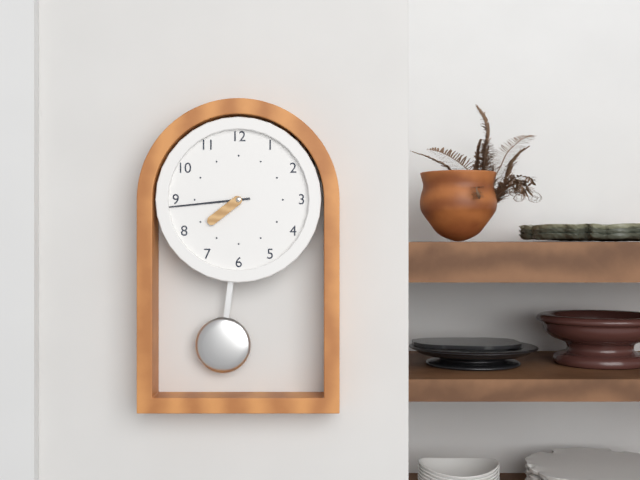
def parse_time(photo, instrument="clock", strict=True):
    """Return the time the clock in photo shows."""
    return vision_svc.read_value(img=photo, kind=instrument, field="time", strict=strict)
7:44
